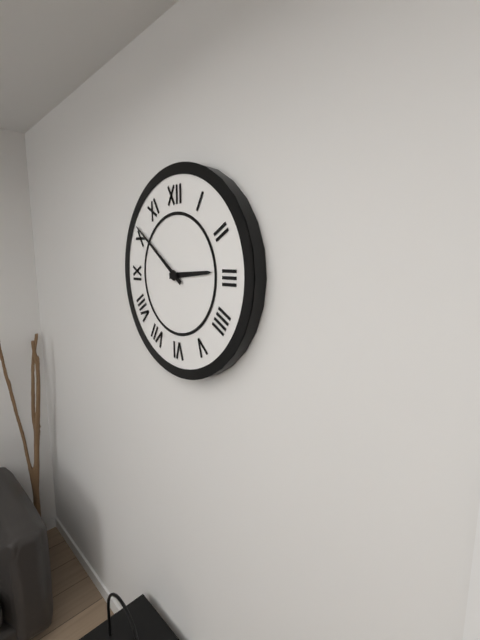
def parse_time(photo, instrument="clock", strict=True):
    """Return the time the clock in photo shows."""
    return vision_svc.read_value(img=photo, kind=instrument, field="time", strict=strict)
2:51
